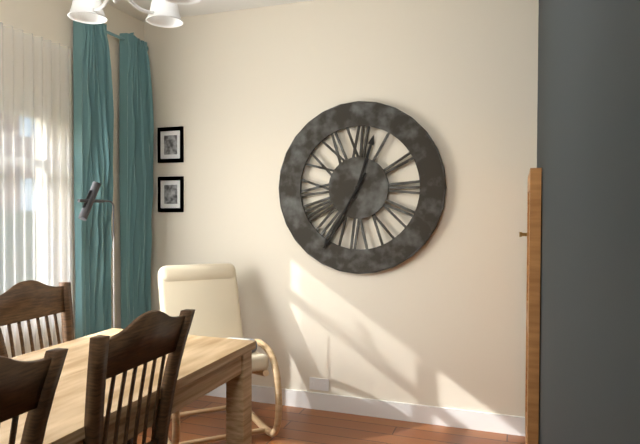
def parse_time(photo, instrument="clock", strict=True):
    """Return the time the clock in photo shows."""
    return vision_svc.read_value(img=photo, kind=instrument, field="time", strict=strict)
12:35
